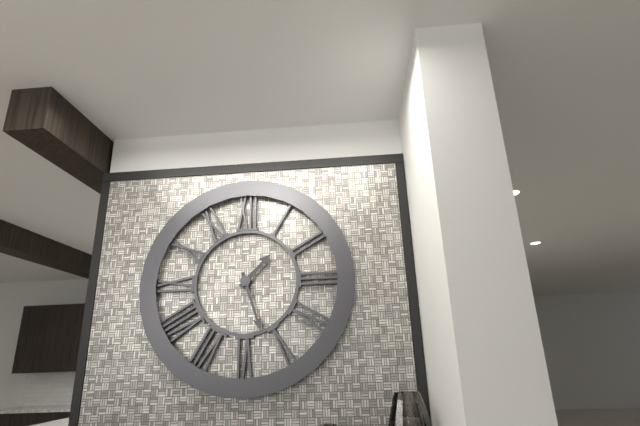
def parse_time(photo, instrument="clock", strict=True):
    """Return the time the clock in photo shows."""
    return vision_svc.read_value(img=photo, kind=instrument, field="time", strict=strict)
1:27
